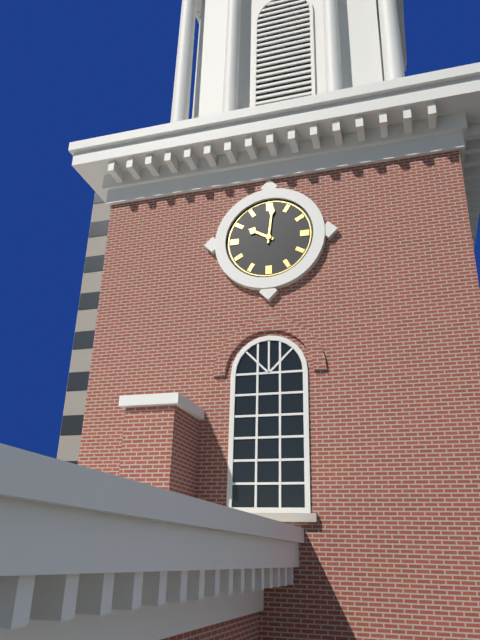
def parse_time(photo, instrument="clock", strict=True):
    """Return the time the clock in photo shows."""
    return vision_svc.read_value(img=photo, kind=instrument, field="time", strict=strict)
10:01
